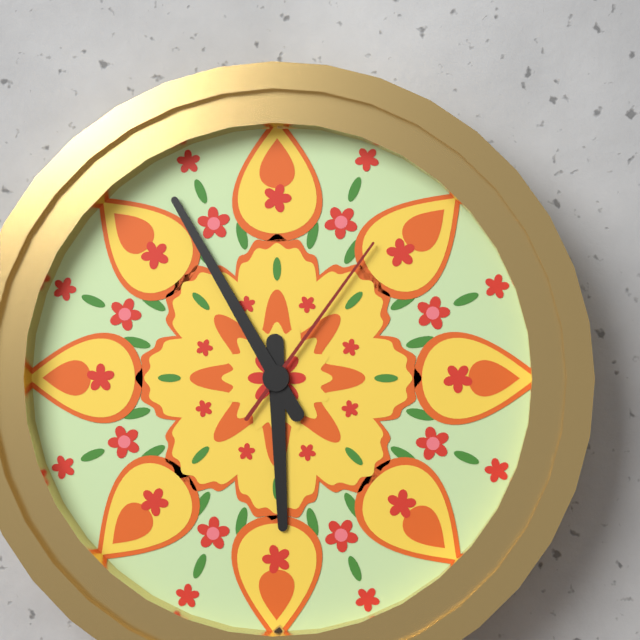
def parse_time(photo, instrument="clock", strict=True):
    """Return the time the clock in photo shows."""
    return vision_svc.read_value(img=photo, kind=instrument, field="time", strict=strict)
5:55:06
